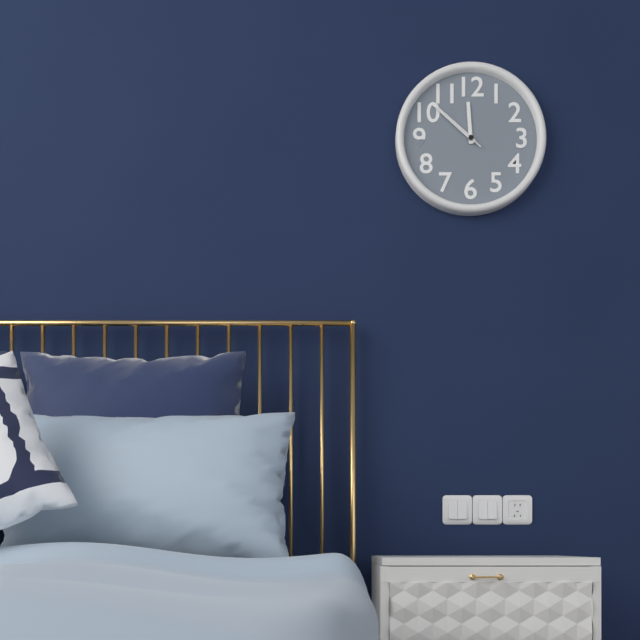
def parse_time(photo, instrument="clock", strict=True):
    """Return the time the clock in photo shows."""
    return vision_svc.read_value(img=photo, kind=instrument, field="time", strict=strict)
11:52:52
